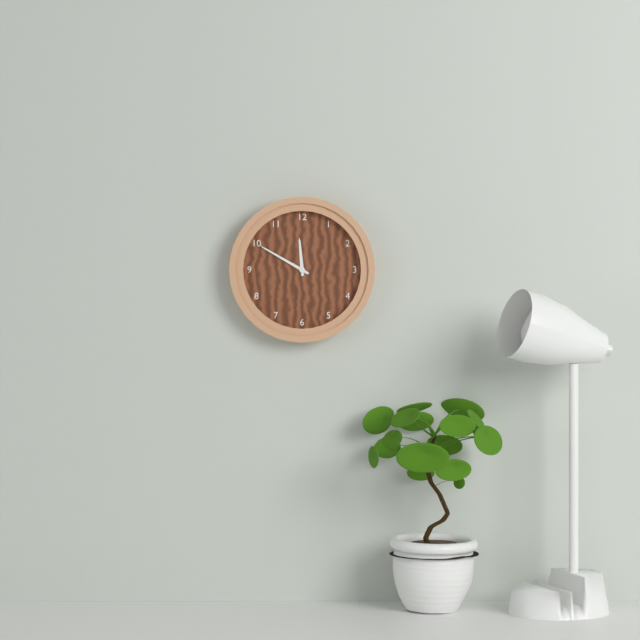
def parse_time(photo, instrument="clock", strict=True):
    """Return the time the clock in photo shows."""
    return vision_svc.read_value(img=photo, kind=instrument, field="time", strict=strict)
11:50
